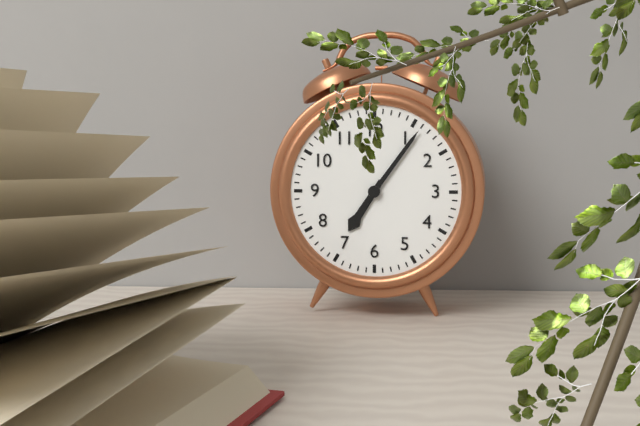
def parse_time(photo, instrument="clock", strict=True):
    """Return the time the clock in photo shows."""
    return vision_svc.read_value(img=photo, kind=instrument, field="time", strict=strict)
7:06
